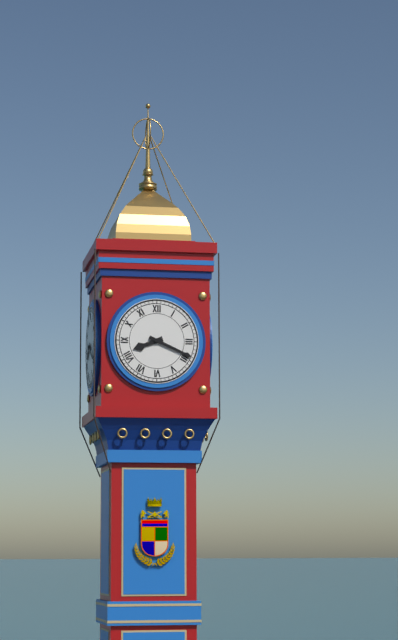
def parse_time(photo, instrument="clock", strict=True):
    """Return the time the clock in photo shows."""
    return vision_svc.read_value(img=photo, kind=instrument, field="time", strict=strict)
8:19
